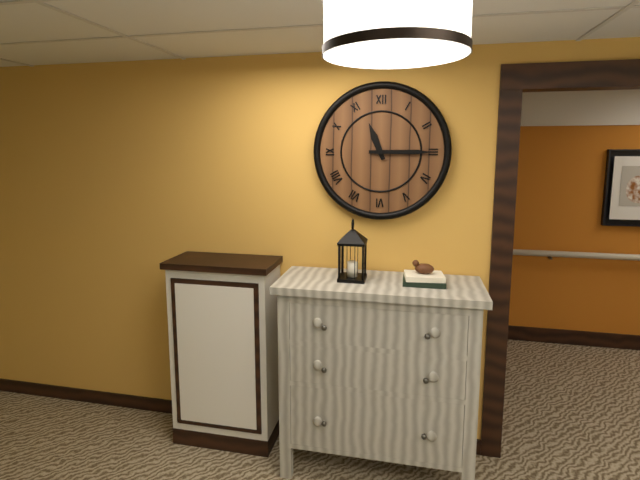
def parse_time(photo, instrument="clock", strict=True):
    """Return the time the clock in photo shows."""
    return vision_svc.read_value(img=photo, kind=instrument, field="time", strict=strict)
11:15
